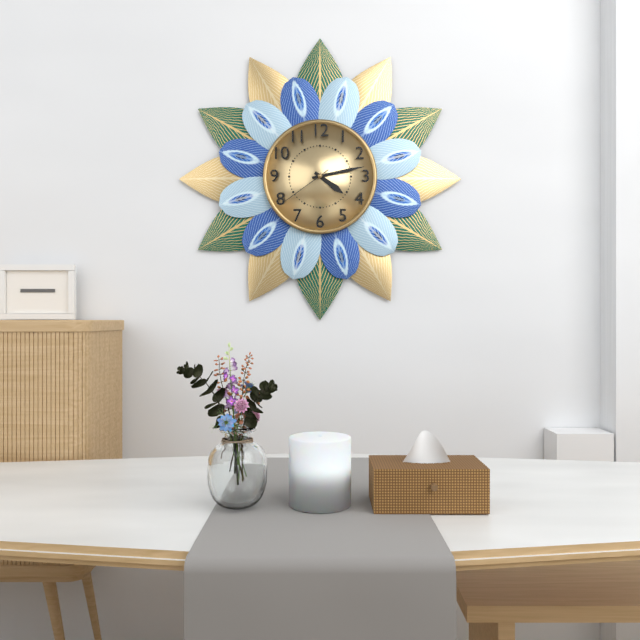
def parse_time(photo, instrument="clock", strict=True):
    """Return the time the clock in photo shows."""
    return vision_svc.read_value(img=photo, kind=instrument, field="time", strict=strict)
4:13:39
